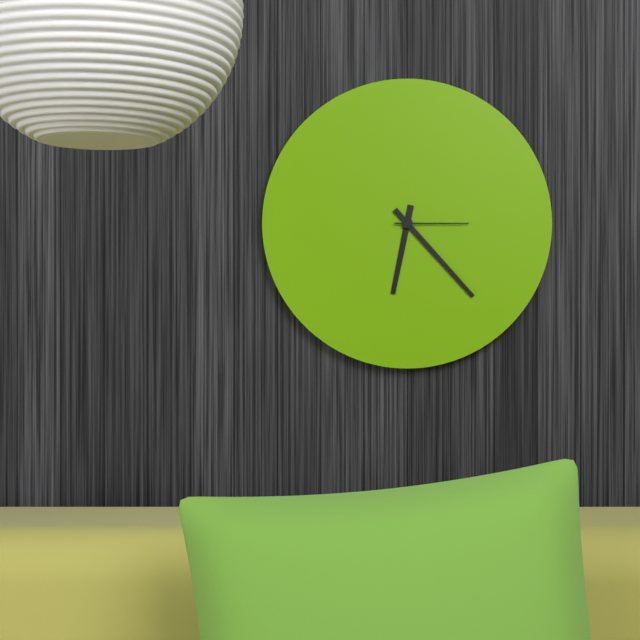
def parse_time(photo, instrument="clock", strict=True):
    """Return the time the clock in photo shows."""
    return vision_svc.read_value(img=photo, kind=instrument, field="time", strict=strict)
6:23:15
